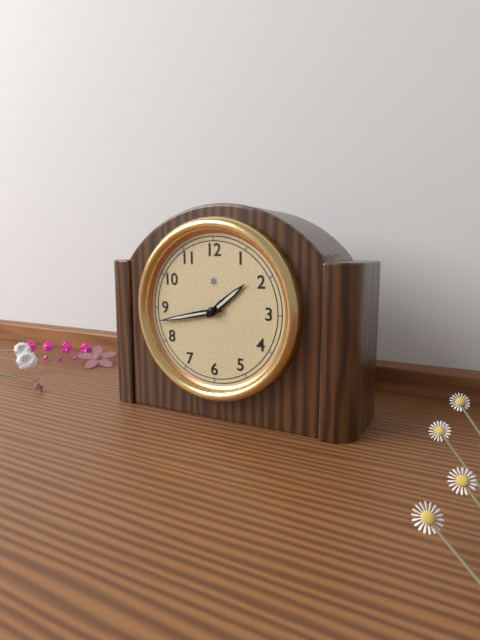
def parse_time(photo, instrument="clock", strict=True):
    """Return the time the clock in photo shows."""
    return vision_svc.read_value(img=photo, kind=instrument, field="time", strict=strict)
1:43
